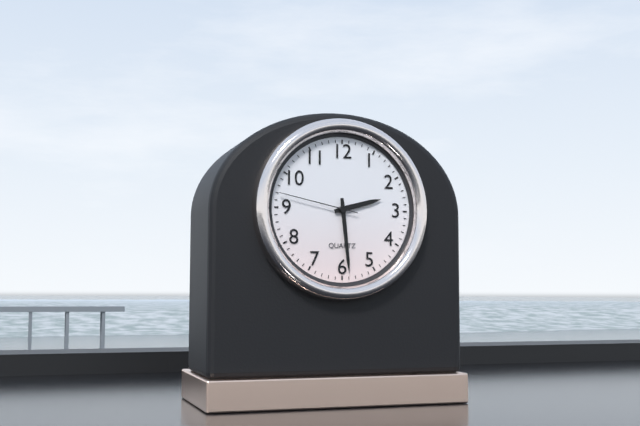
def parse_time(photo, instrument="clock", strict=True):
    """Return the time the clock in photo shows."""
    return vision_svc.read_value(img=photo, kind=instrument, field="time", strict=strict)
2:29:47
